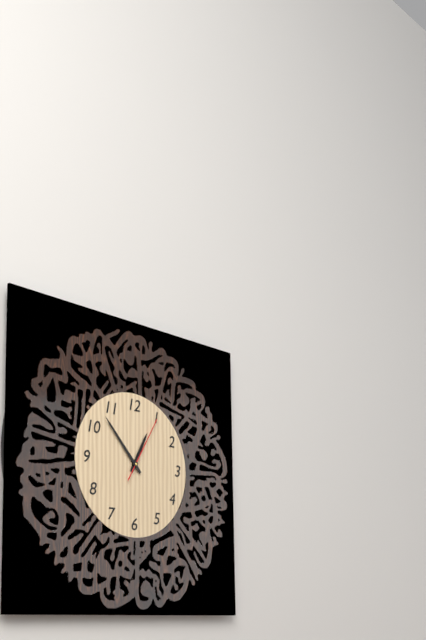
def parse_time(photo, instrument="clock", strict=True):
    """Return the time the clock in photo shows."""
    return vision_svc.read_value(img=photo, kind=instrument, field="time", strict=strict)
12:53:05
